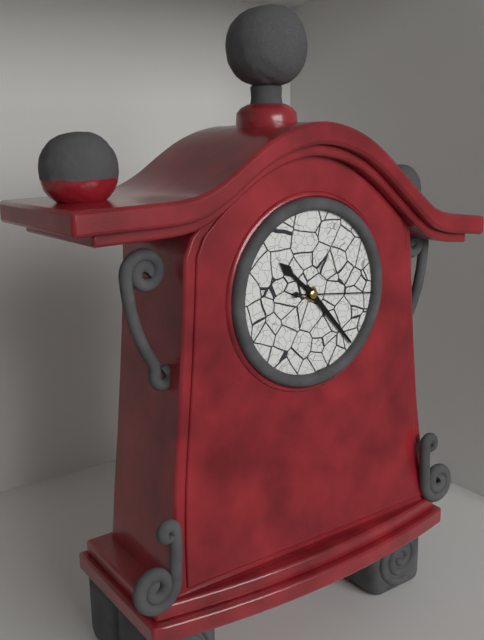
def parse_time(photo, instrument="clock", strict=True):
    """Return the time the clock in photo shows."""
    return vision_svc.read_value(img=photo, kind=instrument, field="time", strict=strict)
10:23:16
